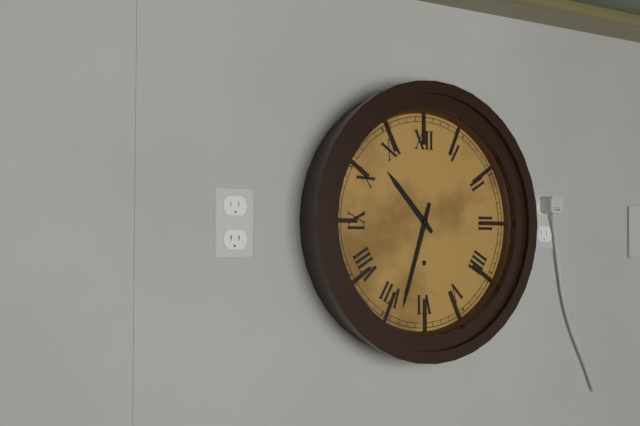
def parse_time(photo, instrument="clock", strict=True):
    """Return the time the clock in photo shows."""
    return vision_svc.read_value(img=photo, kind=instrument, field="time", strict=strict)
10:33
